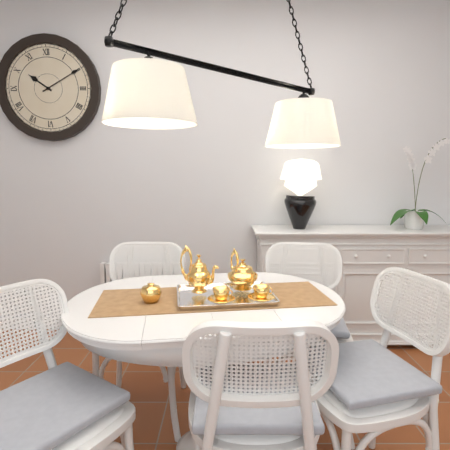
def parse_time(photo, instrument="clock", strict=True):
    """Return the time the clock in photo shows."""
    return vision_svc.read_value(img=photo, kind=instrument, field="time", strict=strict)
10:10
